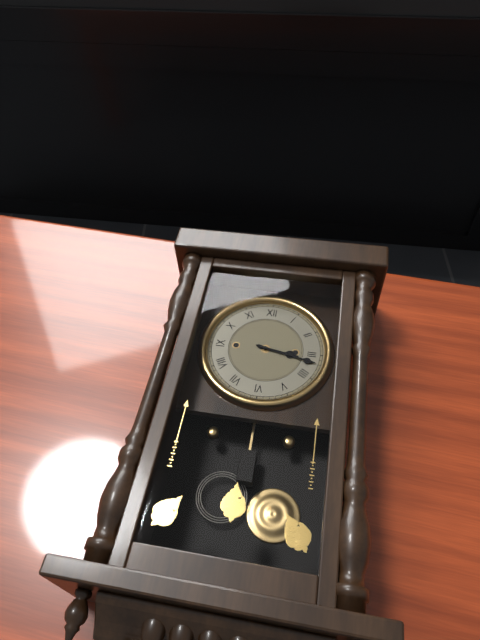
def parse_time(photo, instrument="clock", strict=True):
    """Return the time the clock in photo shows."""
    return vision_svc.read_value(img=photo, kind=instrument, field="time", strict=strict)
3:17
